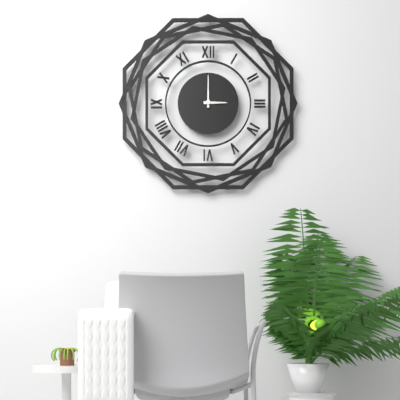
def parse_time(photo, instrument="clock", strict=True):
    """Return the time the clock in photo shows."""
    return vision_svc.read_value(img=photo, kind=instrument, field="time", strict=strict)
3:00
